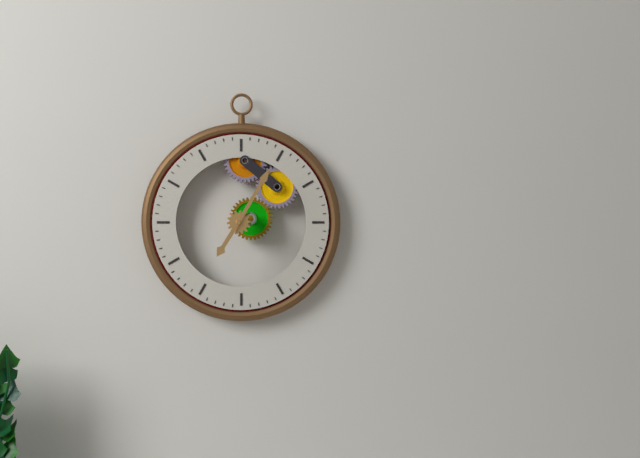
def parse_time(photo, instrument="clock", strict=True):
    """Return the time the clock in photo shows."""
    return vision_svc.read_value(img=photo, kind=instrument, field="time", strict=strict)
7:05
